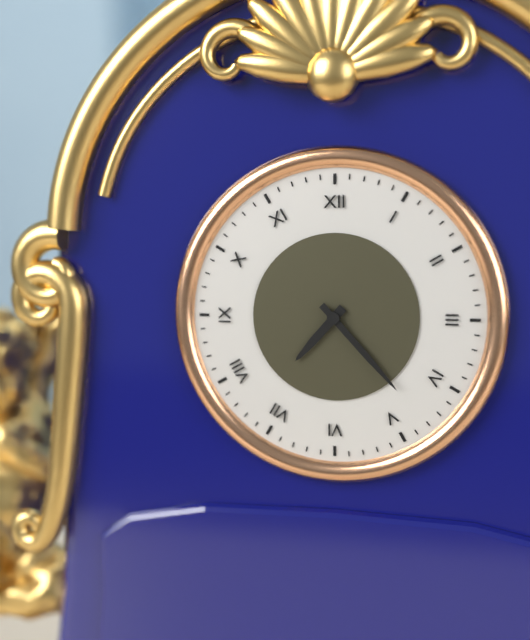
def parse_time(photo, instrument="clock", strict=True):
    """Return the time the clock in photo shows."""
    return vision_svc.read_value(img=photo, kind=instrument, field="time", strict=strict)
7:23
